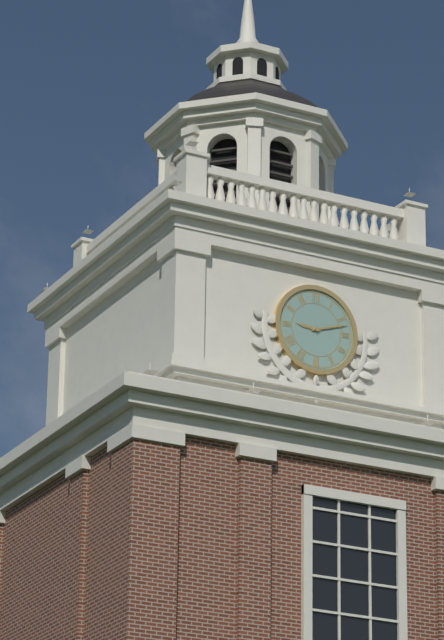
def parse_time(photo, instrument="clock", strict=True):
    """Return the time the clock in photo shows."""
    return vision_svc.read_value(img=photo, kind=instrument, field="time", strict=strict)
9:12
